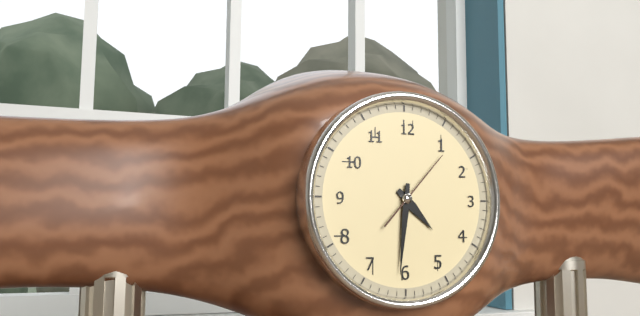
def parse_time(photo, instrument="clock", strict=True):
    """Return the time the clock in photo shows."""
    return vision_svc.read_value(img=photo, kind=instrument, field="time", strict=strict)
4:31:07
